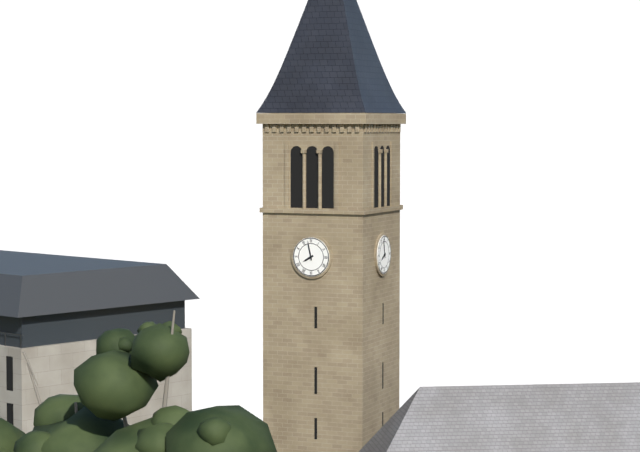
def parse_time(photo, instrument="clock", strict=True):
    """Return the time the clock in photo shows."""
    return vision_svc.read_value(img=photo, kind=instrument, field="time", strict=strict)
7:58
